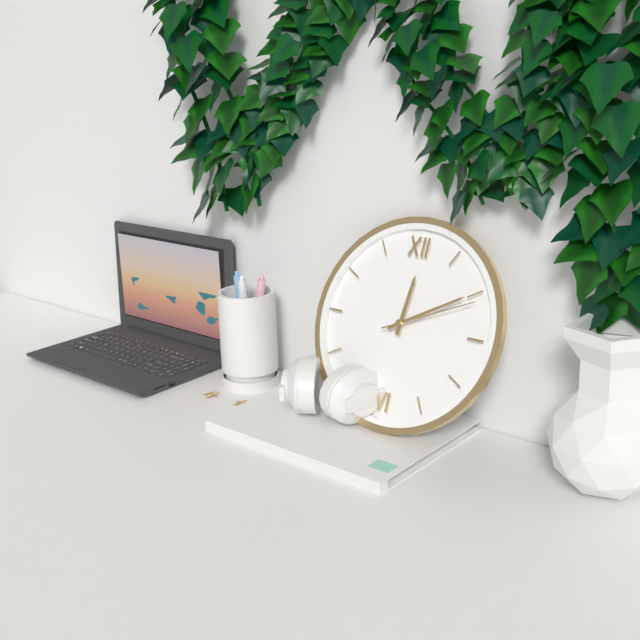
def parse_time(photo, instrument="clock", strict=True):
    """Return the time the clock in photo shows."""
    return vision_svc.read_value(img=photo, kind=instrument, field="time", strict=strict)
12:10:11
